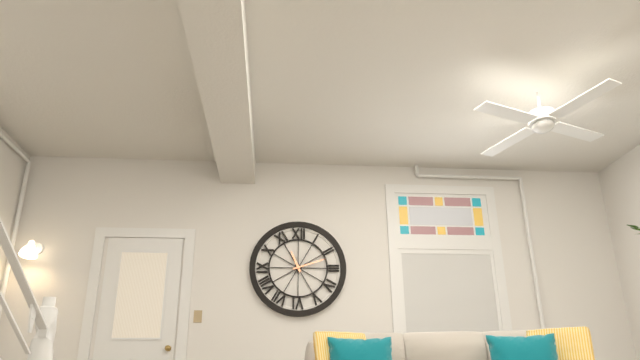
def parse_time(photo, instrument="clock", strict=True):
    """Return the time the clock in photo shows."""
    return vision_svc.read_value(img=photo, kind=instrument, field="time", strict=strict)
11:12
